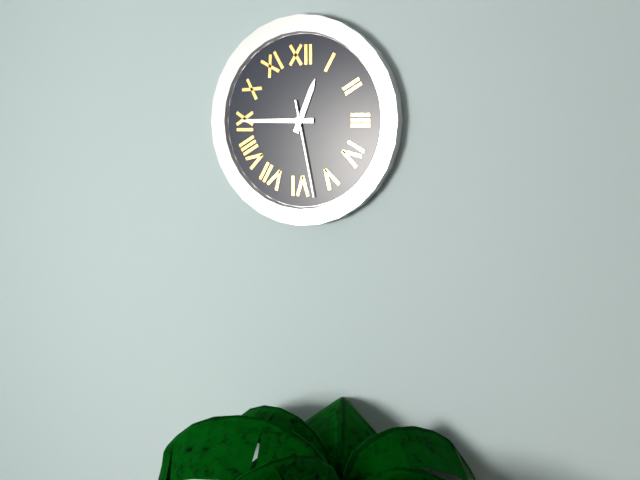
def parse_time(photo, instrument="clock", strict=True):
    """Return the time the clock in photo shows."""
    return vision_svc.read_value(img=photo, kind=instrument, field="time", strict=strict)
12:45:28
